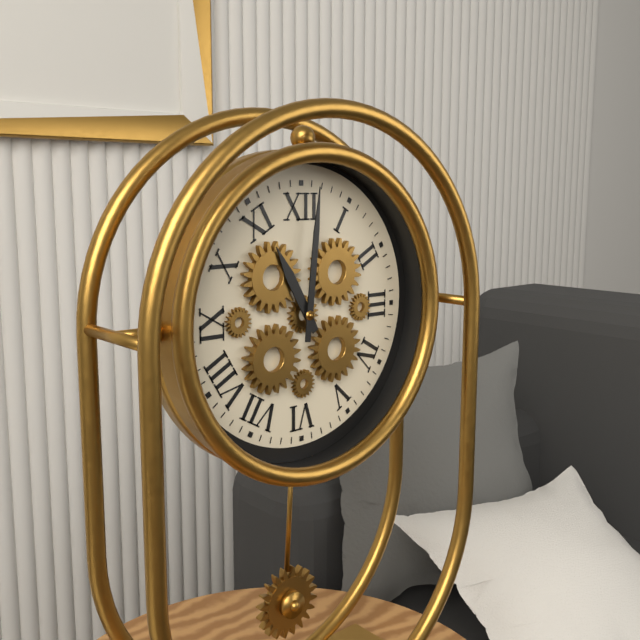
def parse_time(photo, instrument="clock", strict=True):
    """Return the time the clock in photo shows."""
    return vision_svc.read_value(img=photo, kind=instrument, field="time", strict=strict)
11:01
